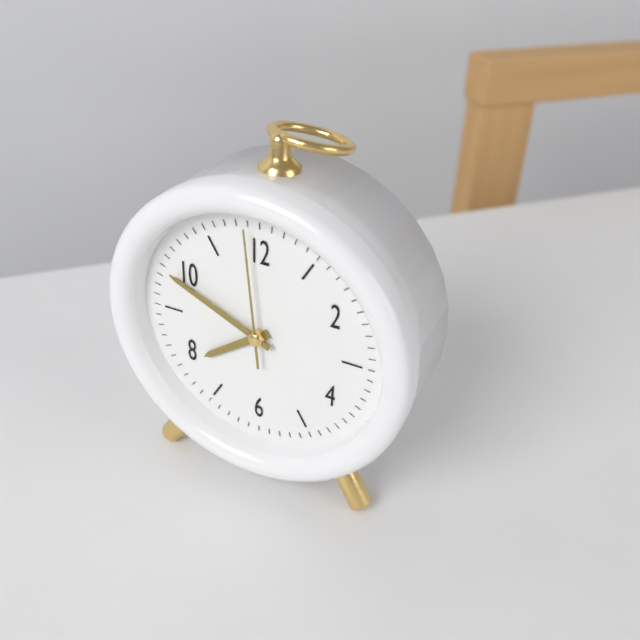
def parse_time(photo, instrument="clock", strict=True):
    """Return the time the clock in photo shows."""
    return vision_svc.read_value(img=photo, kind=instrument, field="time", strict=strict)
7:49:59
